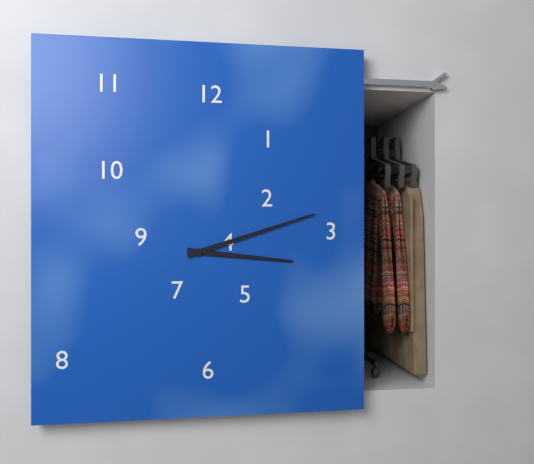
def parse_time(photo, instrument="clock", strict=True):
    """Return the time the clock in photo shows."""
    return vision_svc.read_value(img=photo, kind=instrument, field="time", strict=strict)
3:12
